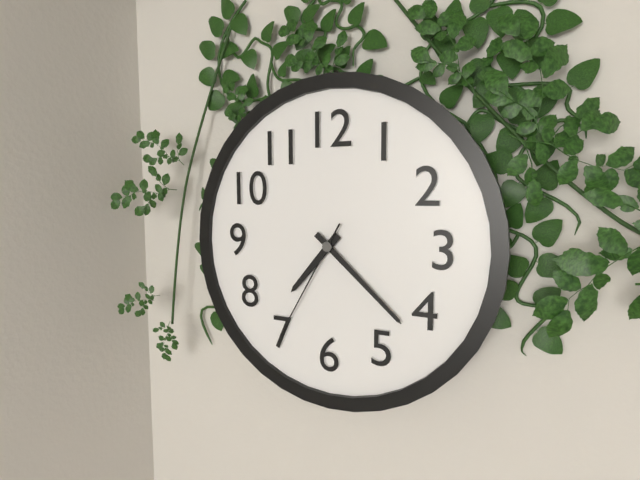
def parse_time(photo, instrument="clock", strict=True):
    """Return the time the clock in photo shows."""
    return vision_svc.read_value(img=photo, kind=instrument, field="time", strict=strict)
7:22:35
